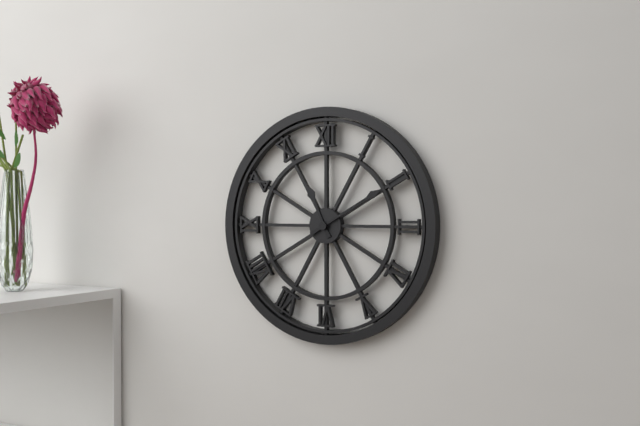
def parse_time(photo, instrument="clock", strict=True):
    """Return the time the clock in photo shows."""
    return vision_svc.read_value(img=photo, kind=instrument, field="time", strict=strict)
11:10
